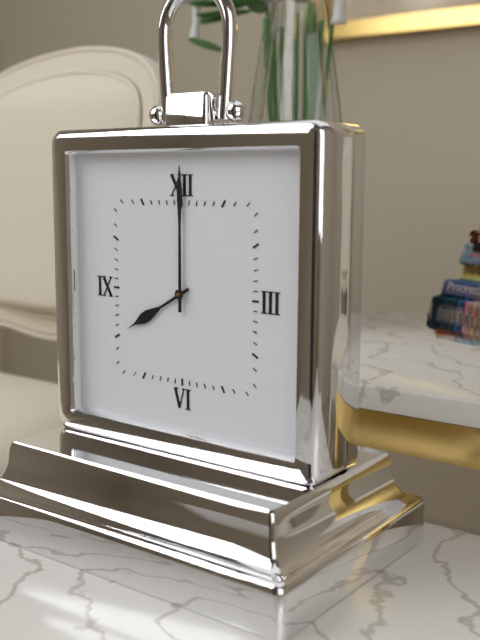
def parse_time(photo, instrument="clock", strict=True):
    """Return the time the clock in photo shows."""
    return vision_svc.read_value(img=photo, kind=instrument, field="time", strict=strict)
8:00
